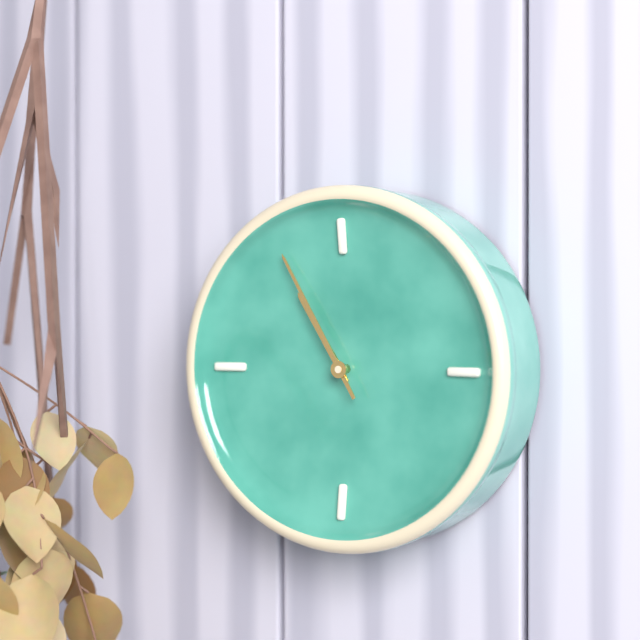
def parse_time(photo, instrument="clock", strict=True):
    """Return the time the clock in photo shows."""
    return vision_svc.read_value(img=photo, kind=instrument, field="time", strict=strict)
10:55
